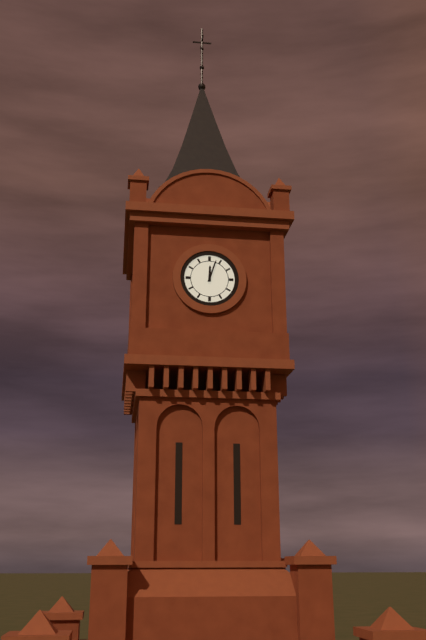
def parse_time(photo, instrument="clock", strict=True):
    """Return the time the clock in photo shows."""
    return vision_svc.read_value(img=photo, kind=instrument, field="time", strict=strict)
12:03
